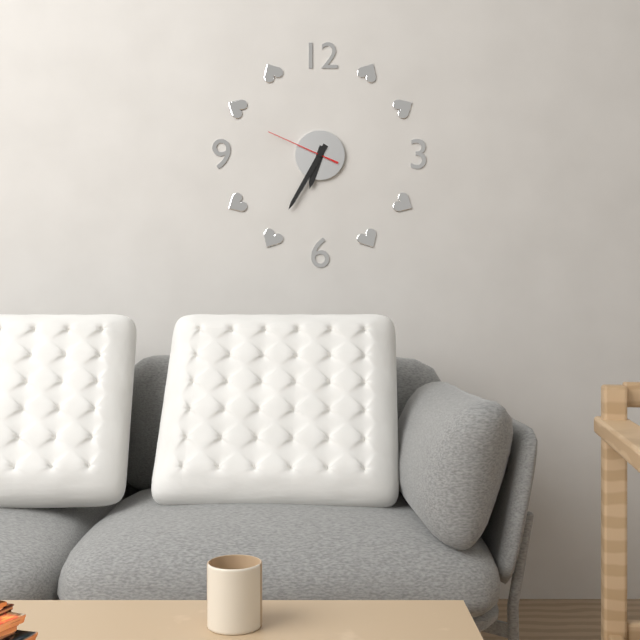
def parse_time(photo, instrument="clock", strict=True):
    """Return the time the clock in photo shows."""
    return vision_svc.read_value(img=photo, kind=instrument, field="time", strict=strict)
6:35:49
